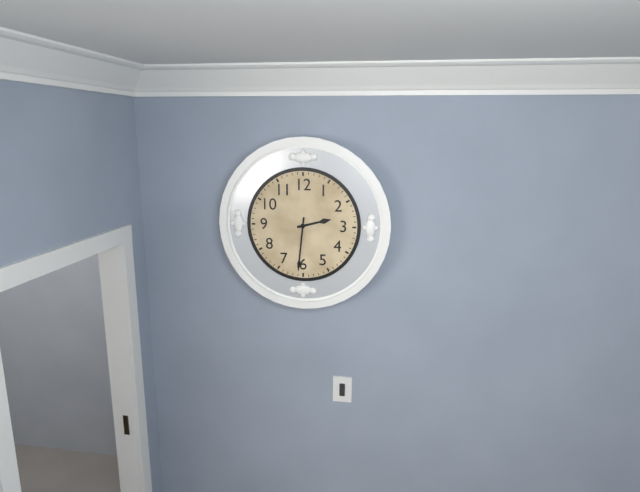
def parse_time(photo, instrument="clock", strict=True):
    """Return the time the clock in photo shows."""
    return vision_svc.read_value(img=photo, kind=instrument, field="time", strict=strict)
2:31
